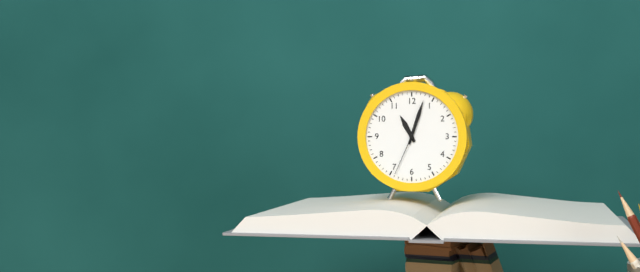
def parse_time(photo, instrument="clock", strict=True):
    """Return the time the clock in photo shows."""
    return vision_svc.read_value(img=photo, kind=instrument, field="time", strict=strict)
11:03:34
